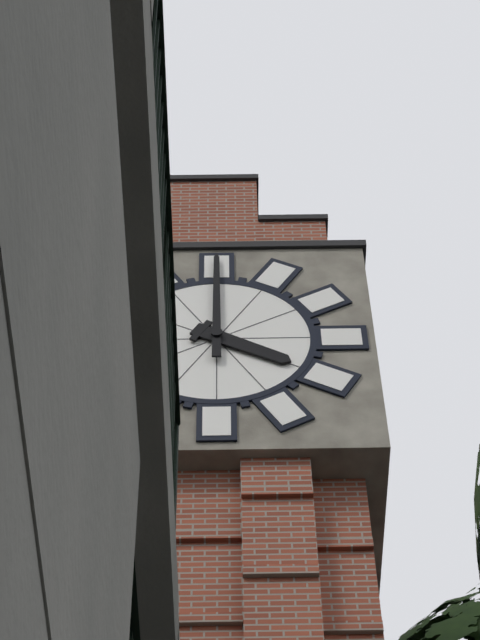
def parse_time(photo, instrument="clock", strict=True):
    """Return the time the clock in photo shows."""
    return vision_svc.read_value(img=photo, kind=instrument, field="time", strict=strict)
4:00
